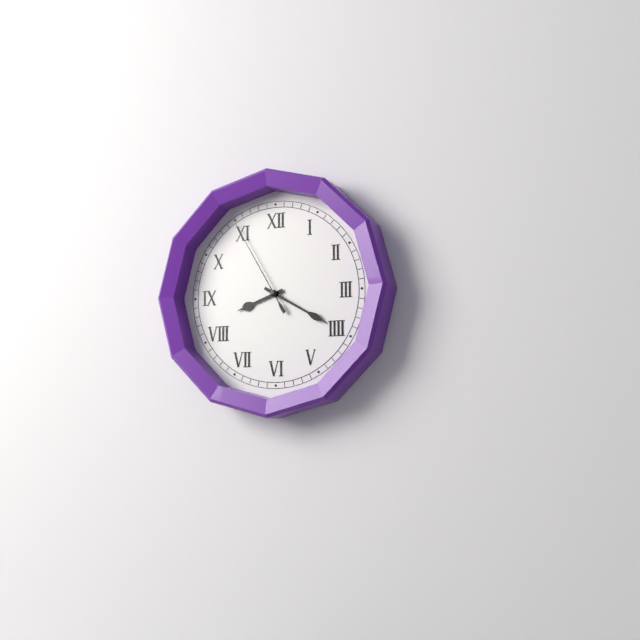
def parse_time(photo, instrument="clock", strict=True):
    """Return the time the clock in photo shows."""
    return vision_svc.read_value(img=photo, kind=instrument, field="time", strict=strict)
8:20:55
